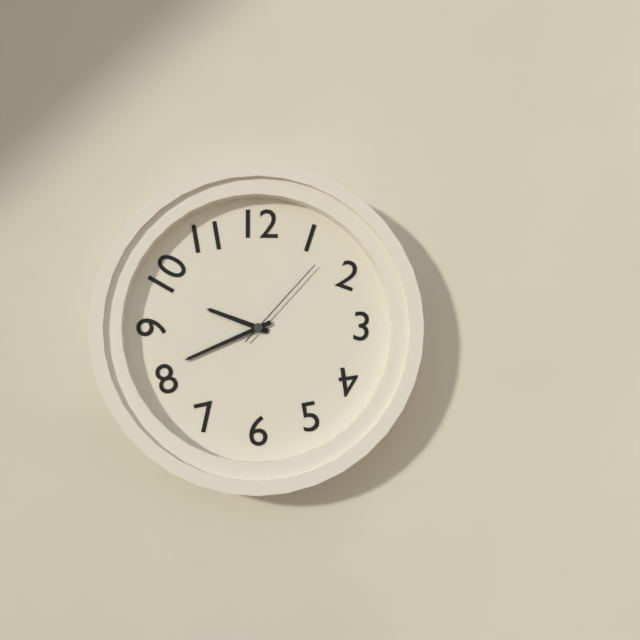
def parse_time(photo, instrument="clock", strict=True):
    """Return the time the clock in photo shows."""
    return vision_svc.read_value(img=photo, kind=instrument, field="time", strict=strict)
9:41:07
